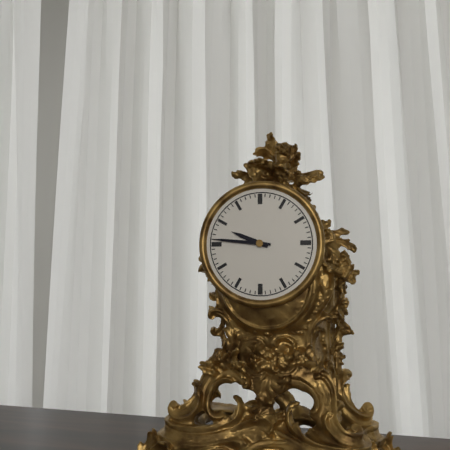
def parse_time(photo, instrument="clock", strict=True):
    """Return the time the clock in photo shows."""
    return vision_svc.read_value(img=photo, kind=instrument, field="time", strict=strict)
9:46
